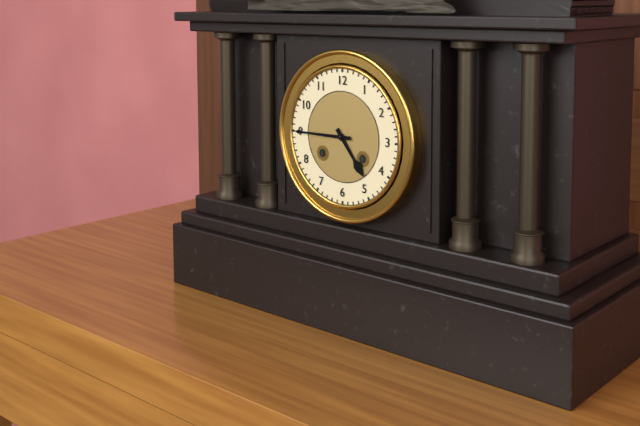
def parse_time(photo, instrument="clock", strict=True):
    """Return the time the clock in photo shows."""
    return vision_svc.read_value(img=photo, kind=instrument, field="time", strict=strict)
4:45
